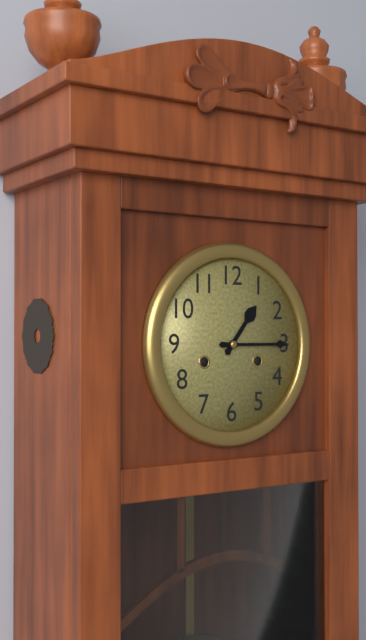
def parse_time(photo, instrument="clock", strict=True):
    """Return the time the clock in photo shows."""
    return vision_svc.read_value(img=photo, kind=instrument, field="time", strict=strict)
1:15
